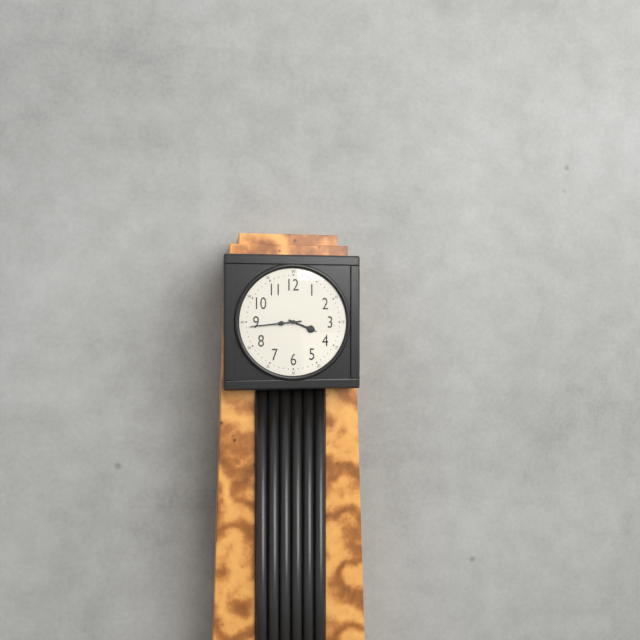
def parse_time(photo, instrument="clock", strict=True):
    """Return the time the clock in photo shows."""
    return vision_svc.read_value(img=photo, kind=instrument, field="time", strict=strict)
3:44
